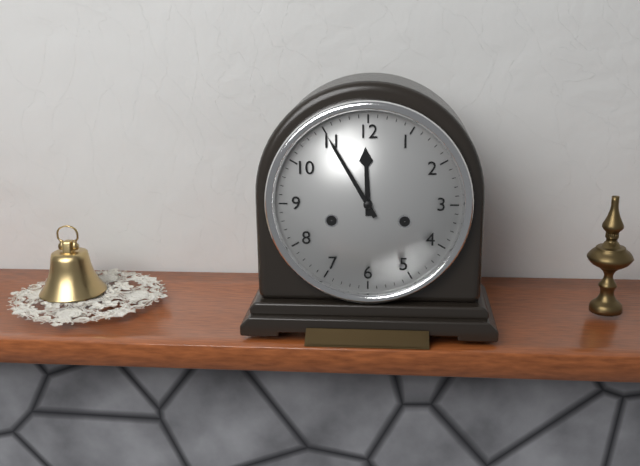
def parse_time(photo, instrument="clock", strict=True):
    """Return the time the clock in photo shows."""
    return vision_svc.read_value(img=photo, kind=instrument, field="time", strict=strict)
11:55
